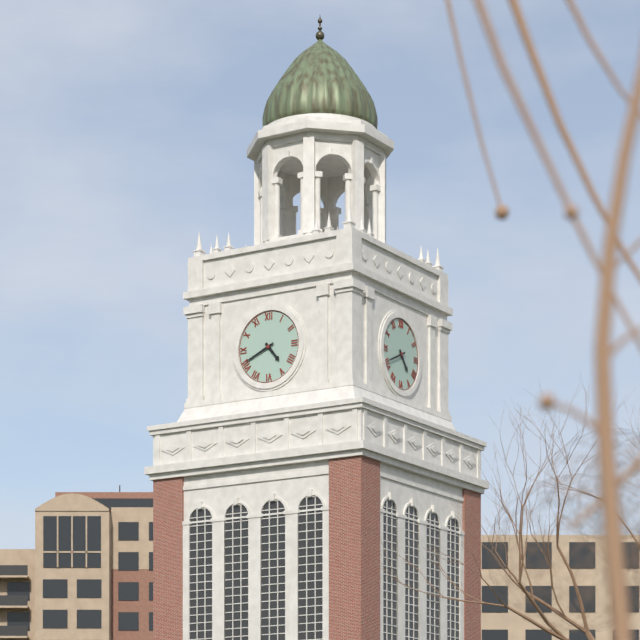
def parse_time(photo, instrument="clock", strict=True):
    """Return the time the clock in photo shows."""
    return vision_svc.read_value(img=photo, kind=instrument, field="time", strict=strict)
4:41
